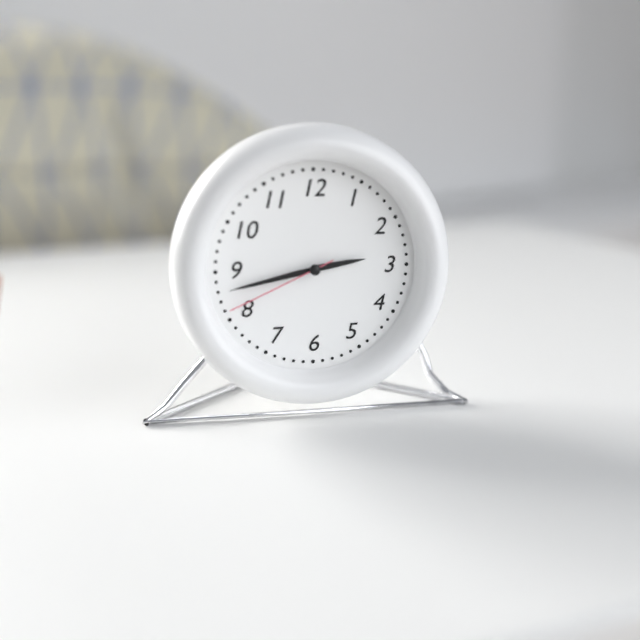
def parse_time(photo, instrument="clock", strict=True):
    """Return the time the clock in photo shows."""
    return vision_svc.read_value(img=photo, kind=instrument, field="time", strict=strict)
2:43:41
